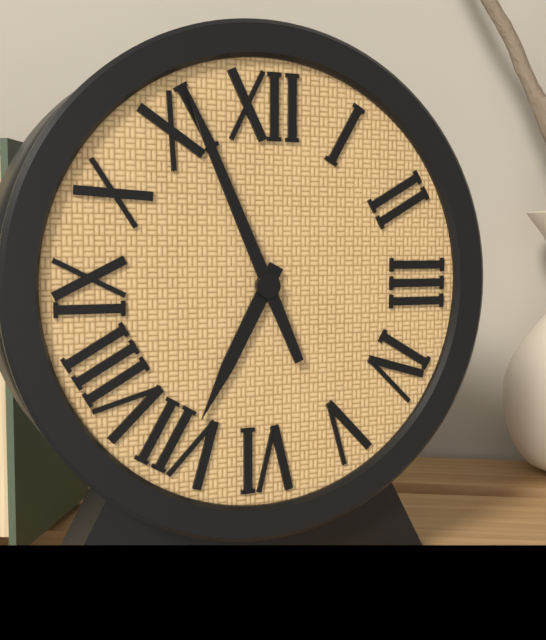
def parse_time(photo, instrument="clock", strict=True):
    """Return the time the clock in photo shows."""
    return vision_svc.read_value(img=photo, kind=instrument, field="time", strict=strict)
6:56
